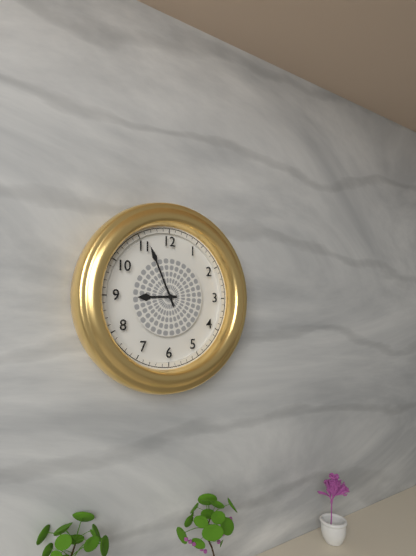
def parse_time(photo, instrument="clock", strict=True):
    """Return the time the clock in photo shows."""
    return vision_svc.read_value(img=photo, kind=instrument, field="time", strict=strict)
8:56
